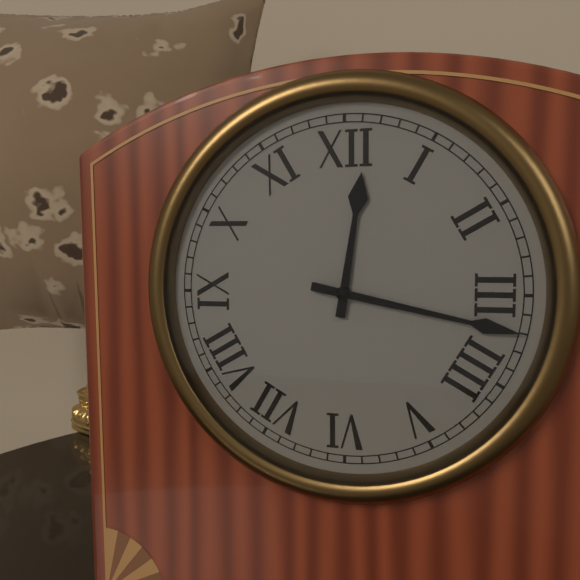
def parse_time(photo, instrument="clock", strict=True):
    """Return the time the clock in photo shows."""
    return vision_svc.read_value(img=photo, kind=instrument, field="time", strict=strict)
12:17
